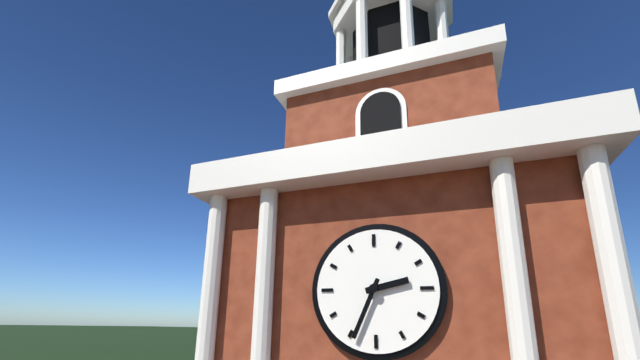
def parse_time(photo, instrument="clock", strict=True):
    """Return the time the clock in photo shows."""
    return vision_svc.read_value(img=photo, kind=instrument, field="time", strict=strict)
2:34
